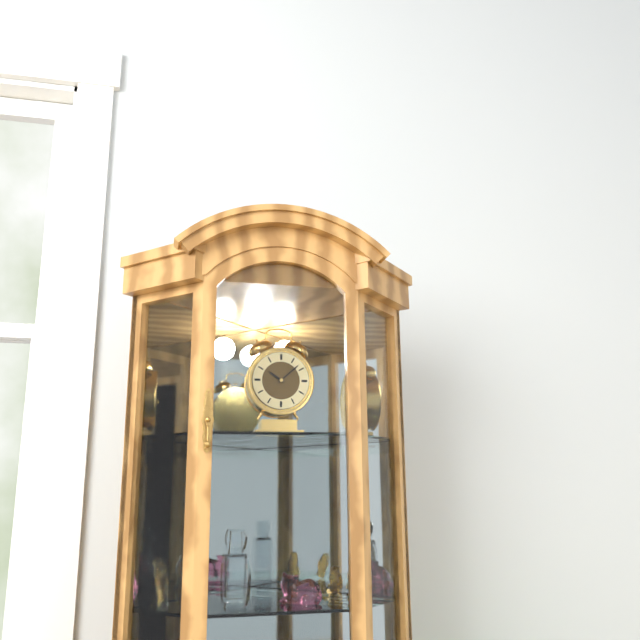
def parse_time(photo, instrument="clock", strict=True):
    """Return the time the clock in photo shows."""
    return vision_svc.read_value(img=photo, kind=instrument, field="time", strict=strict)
10:08
